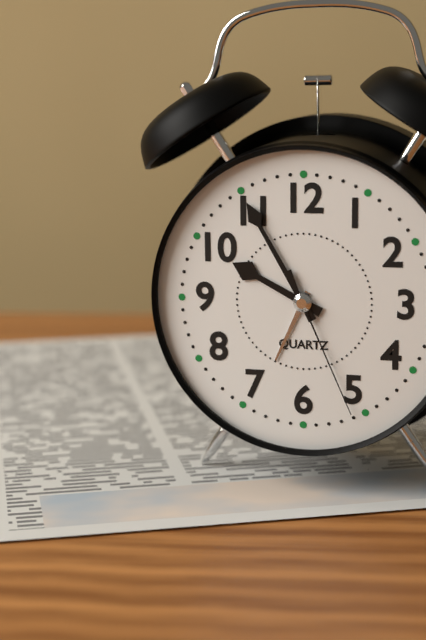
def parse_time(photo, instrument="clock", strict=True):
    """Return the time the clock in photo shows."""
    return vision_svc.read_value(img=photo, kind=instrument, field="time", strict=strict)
9:55:26
